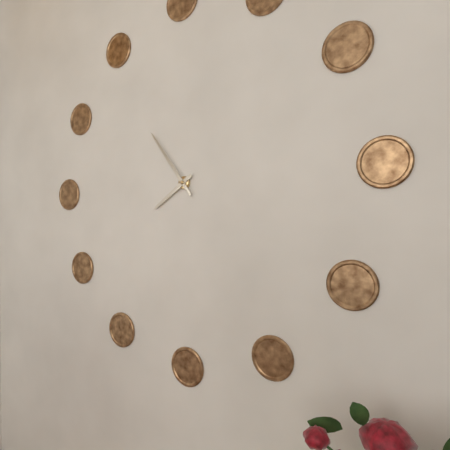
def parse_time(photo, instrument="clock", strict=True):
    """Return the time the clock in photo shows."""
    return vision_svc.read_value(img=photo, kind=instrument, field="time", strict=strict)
7:54
